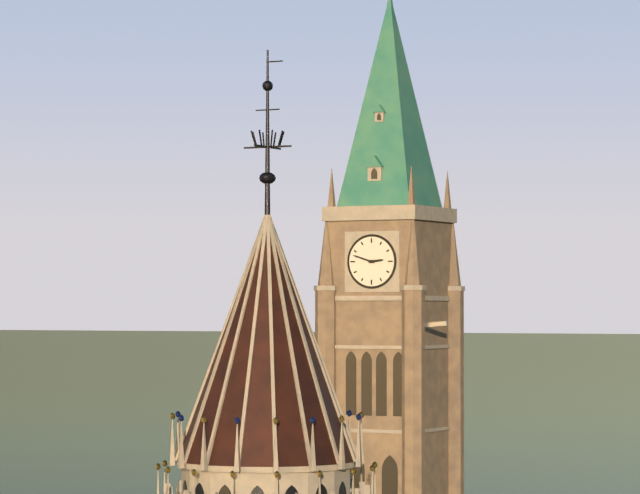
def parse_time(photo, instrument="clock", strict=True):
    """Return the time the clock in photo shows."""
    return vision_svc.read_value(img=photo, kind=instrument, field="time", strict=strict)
2:48
